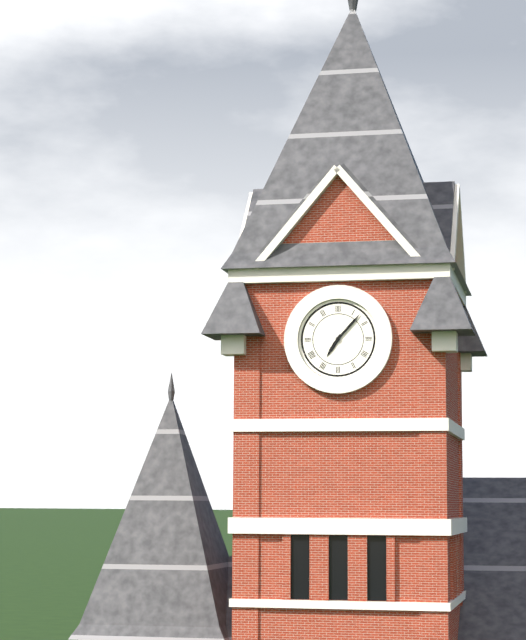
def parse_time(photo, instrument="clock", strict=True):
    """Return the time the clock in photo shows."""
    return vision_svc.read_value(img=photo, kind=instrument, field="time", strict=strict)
7:07
